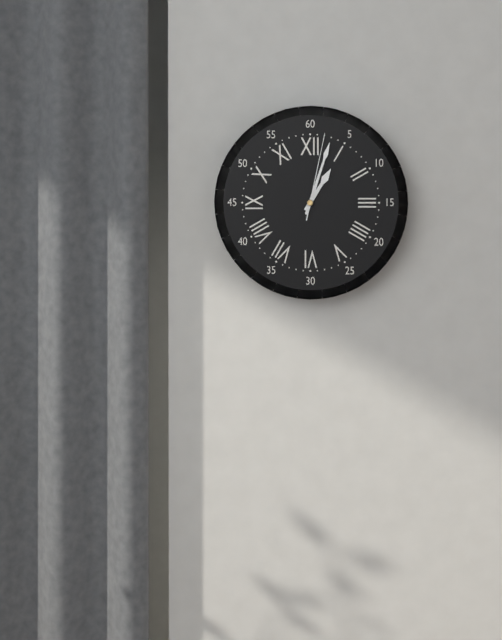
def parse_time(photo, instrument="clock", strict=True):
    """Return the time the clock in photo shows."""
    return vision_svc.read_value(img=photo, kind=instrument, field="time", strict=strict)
1:03:02
